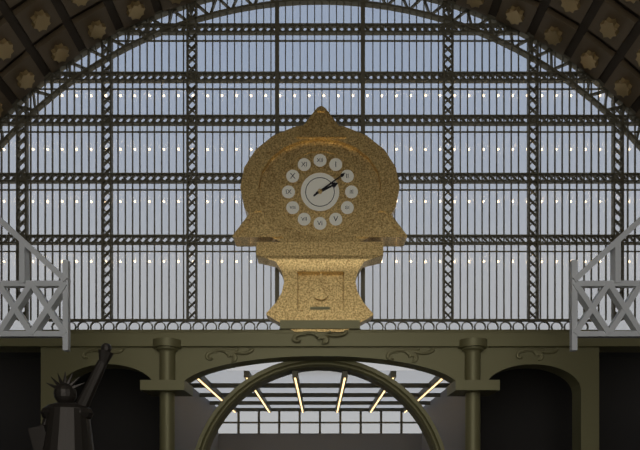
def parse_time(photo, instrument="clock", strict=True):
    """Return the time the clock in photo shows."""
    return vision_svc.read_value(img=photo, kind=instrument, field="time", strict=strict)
2:09
